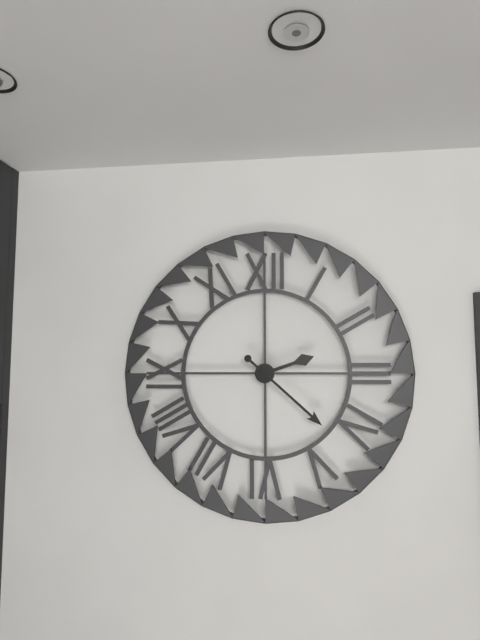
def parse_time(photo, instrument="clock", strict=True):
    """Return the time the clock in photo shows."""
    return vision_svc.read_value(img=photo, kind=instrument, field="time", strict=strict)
2:22
